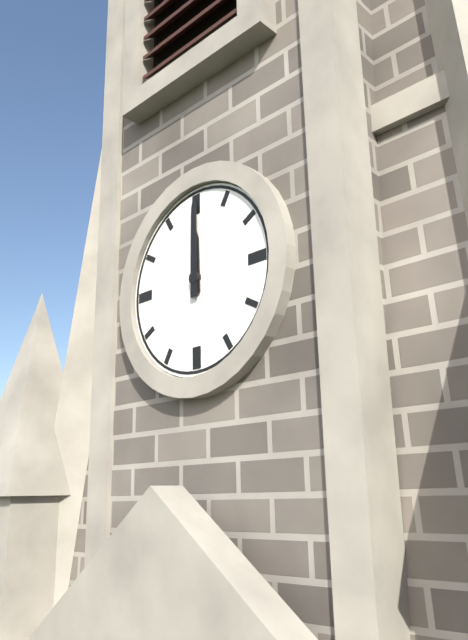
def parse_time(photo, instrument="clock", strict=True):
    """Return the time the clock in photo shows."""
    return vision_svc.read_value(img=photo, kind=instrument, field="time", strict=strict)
12:00
